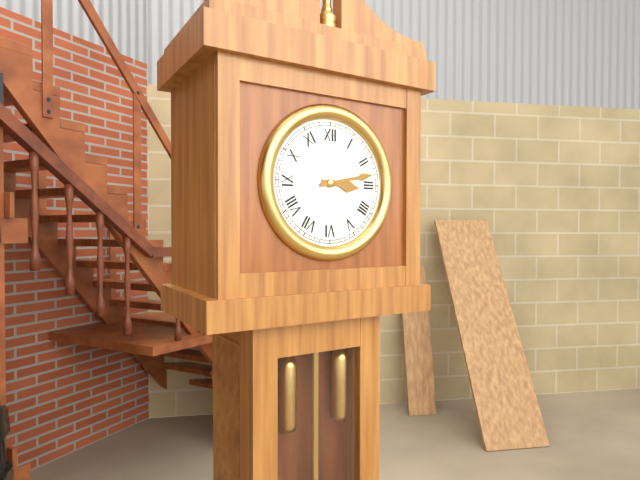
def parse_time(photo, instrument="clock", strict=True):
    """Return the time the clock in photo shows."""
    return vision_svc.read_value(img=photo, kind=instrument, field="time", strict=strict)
3:13
